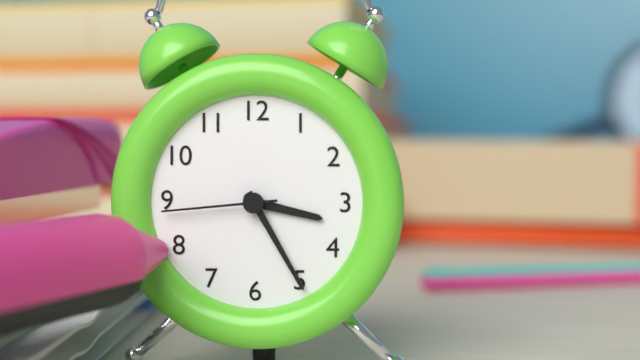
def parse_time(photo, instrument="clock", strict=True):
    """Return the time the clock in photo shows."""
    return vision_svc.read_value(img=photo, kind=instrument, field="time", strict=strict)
3:25:44
